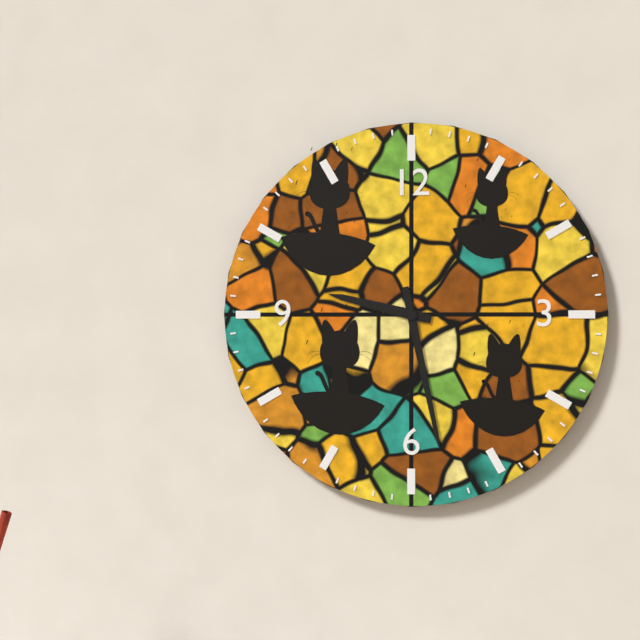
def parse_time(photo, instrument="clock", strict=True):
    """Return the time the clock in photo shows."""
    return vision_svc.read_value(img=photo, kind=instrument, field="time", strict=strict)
9:28
